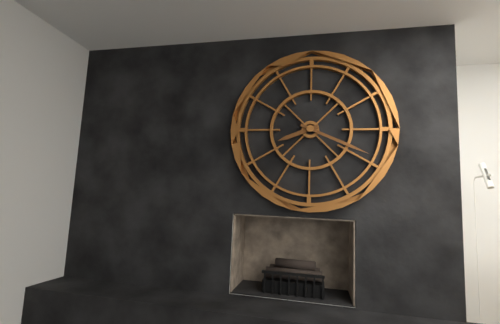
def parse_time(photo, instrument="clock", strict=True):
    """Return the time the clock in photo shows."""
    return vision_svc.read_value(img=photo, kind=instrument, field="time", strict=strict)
8:19
